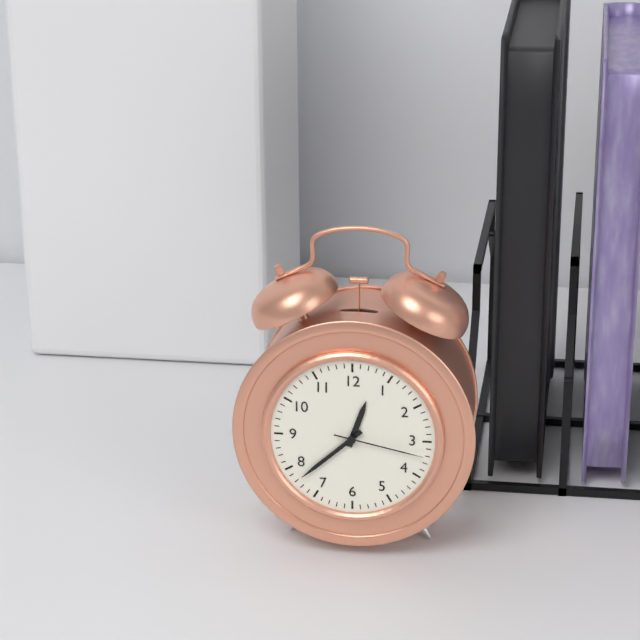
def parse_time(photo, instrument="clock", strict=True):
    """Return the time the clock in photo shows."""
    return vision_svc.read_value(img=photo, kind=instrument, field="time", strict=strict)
12:38:17
